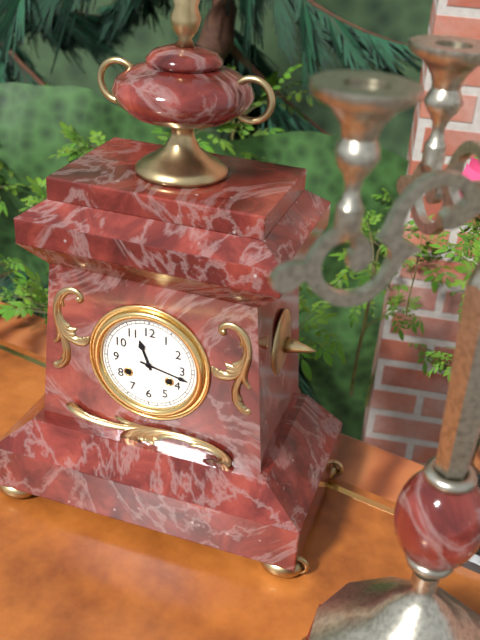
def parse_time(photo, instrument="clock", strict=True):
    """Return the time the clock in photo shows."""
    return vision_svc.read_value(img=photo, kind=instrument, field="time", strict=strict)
11:17
